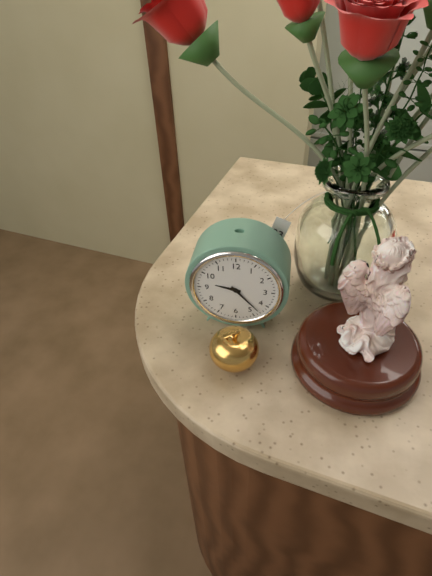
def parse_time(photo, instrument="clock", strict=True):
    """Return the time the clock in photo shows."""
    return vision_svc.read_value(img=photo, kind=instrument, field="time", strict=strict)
9:23
